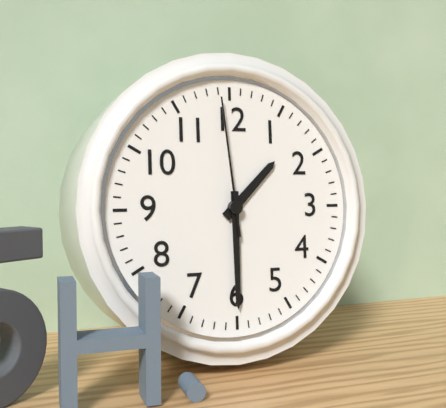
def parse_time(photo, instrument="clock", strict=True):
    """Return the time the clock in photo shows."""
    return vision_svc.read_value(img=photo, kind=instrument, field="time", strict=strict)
1:30:59
